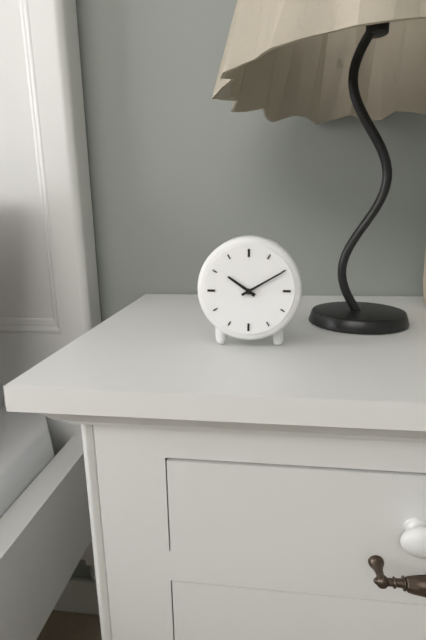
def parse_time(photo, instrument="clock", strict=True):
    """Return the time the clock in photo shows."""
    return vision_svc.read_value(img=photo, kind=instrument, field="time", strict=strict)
10:10
